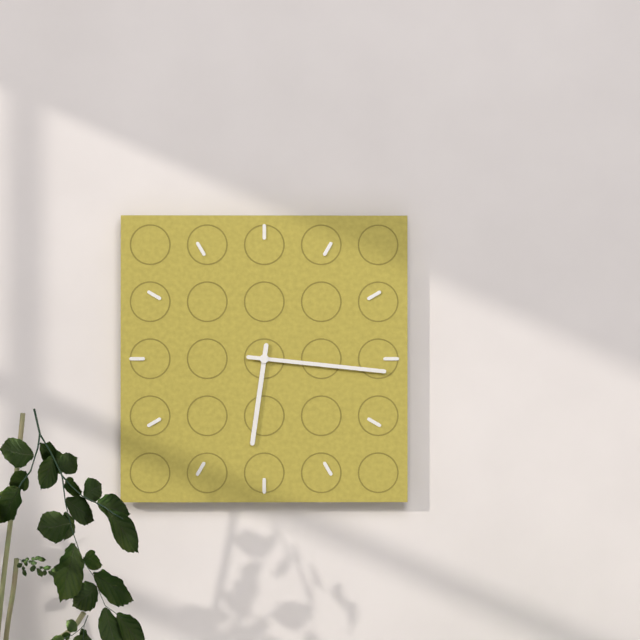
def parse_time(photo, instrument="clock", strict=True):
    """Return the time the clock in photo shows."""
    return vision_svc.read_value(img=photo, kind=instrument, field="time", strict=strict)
6:16
